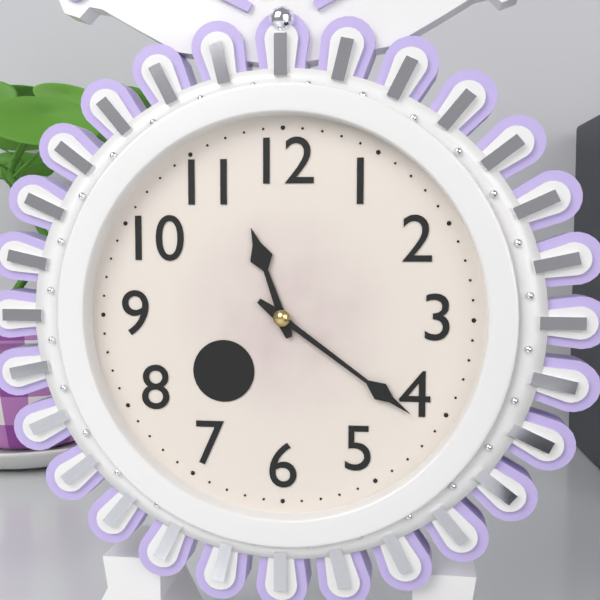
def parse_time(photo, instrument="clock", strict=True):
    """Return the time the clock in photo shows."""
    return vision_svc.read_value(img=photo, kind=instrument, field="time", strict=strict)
11:21
